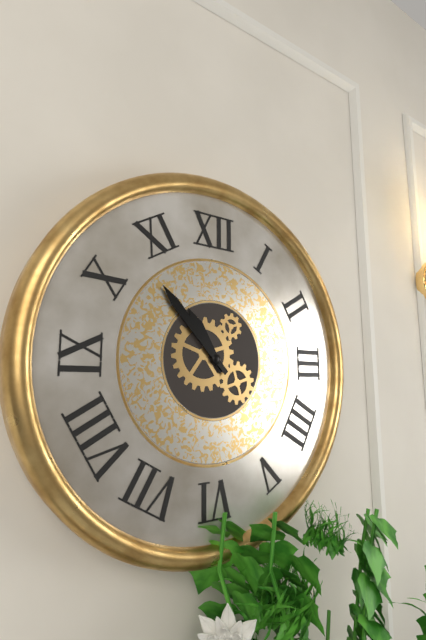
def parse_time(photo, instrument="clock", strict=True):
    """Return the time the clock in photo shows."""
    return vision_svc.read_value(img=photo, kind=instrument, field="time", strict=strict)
10:53
